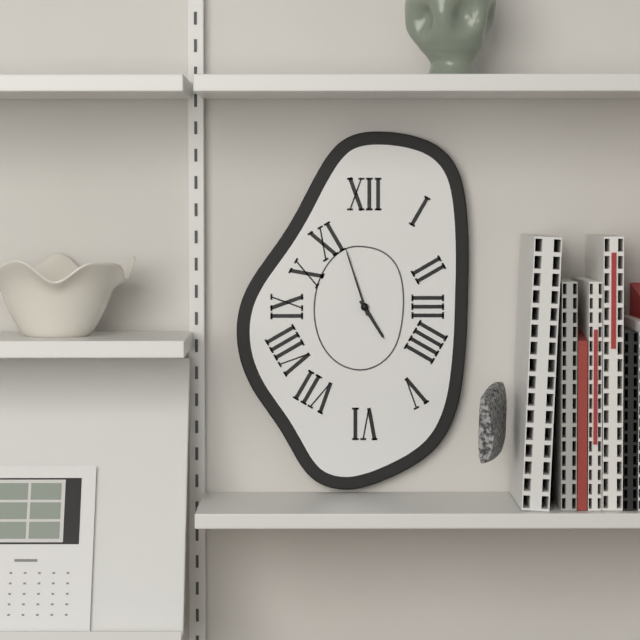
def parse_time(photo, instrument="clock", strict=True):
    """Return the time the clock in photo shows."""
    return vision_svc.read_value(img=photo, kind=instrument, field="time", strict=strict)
4:57
